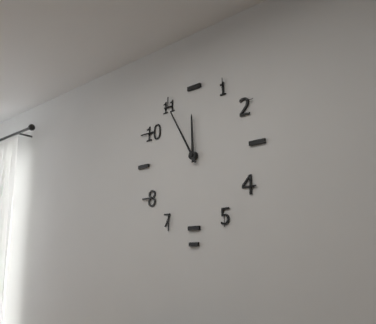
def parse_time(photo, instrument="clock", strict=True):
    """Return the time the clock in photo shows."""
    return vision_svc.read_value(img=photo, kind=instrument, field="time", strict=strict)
11:55
